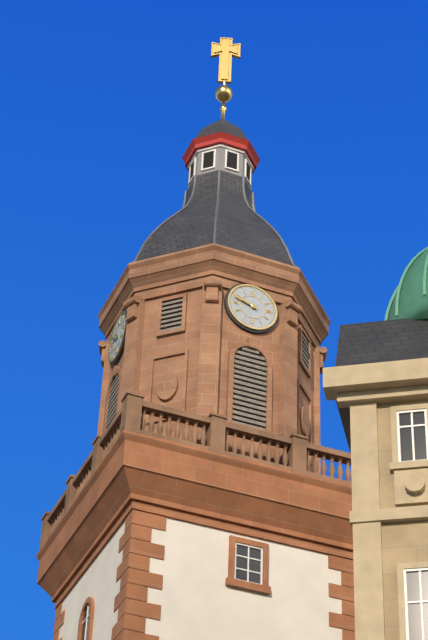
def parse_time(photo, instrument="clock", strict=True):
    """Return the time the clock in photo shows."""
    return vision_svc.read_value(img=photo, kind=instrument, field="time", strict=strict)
9:48
